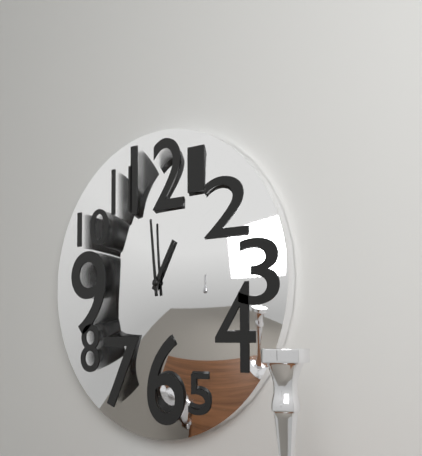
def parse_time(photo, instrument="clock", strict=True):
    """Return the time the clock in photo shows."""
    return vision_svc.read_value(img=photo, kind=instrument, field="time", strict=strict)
12:59
